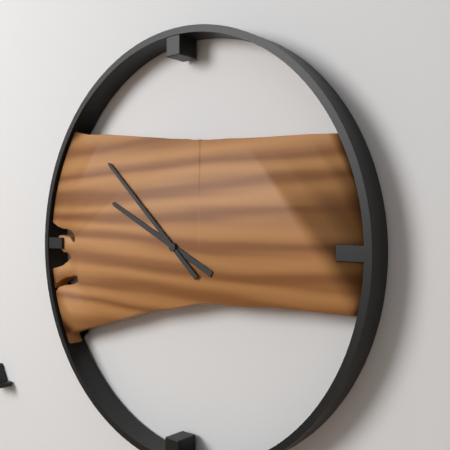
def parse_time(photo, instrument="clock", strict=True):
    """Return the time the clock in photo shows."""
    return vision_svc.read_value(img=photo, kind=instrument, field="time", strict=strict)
9:52
